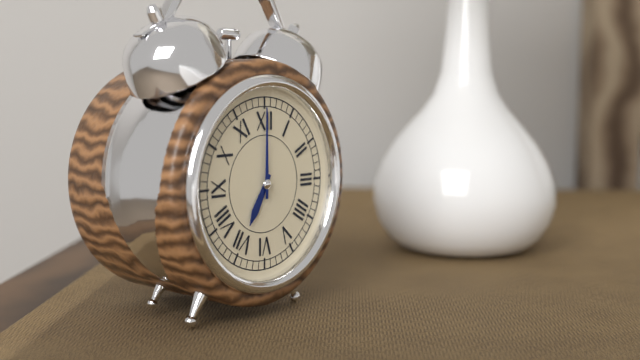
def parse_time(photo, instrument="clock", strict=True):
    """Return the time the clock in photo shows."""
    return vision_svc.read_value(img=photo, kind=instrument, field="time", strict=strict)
7:00
